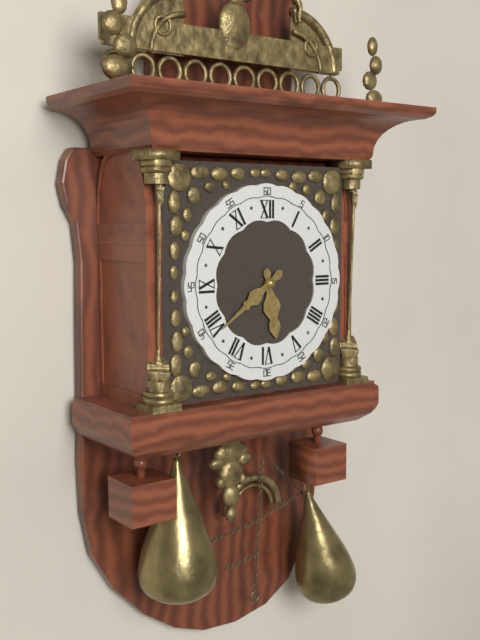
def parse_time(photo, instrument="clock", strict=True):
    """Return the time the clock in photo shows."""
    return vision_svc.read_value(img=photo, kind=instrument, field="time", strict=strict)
5:39
